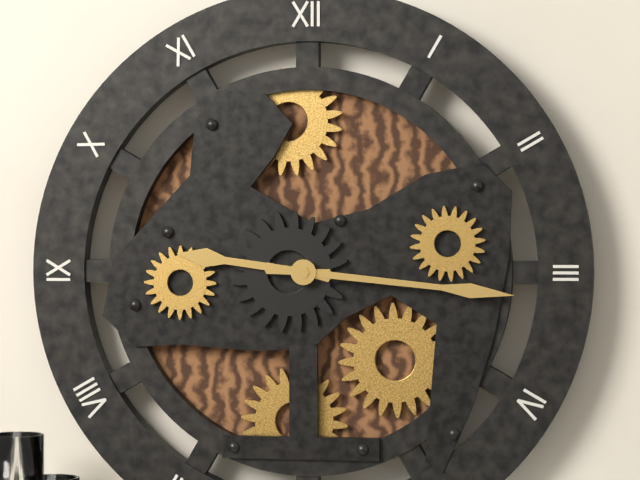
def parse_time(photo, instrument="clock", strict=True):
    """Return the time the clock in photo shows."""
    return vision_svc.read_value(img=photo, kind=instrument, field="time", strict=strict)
9:16
